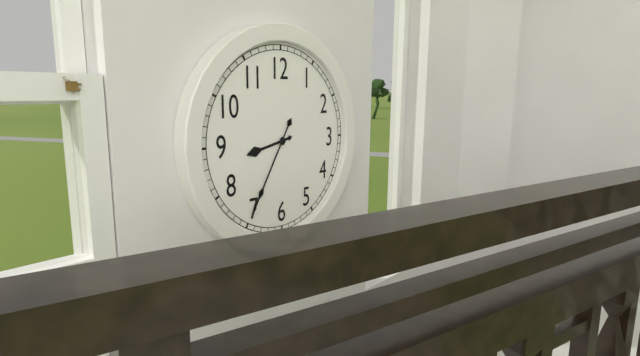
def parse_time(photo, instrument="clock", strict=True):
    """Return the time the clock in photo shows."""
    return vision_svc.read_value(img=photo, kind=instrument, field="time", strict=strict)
8:35
